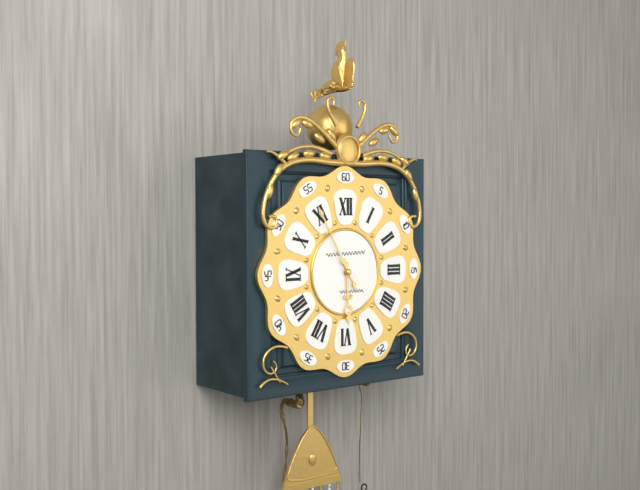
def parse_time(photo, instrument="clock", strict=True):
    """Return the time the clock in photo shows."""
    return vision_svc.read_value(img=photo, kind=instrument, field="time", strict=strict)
5:55
